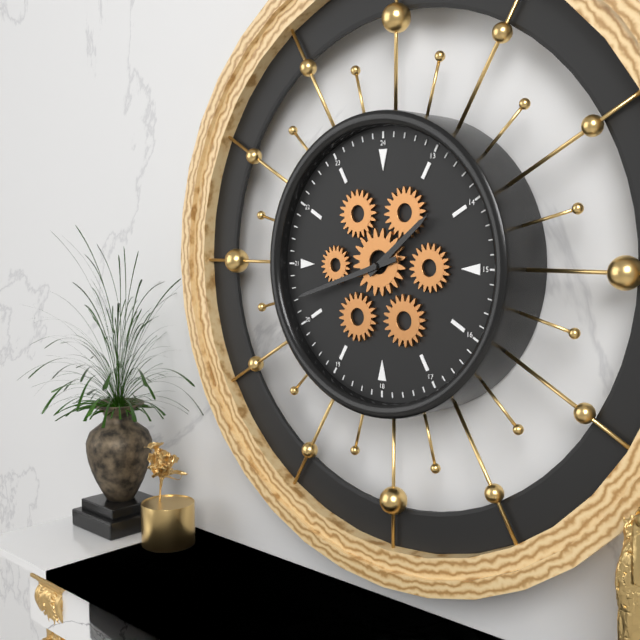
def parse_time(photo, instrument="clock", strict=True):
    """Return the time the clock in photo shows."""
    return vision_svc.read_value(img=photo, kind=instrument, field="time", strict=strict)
1:42
